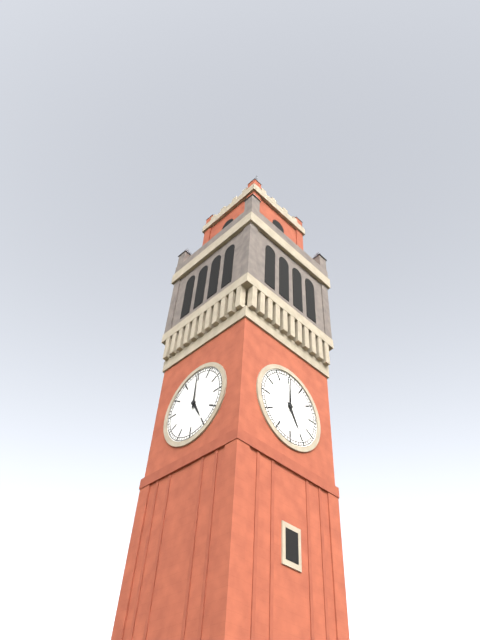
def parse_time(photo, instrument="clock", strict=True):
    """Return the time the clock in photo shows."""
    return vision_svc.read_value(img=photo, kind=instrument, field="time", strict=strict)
5:00
